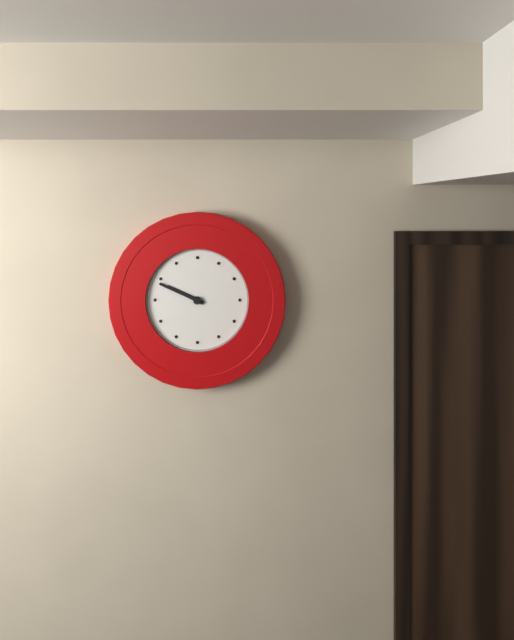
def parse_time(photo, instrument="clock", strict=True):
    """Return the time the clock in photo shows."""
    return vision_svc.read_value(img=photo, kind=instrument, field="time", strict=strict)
9:49
